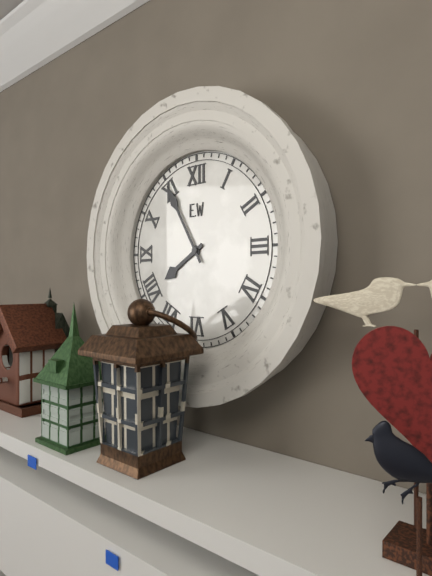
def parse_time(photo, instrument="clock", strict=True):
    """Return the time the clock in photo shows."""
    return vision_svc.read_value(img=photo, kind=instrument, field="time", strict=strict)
7:55
